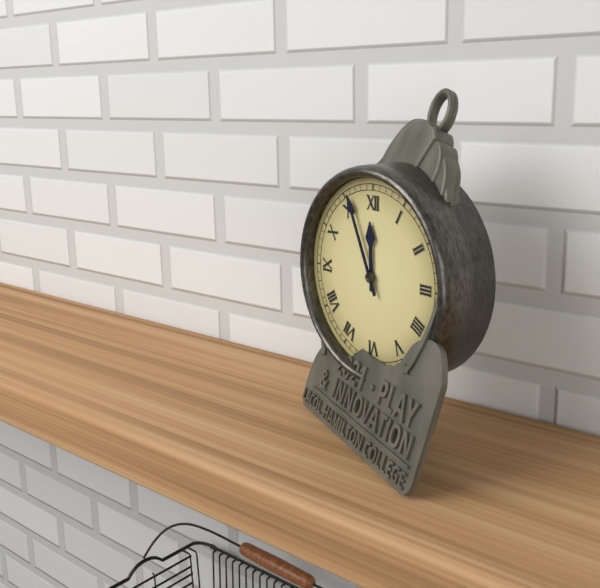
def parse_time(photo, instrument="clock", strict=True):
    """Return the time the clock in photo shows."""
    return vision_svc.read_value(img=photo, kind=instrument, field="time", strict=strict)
11:56
